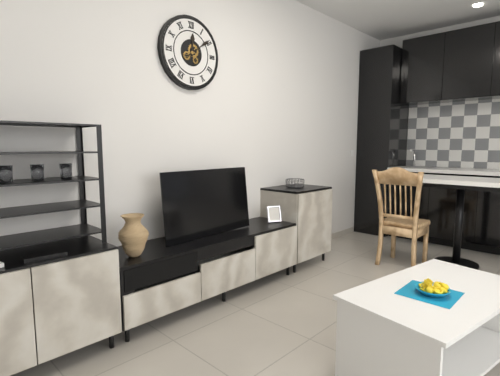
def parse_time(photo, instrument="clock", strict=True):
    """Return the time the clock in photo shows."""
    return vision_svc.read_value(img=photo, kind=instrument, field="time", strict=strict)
12:09
